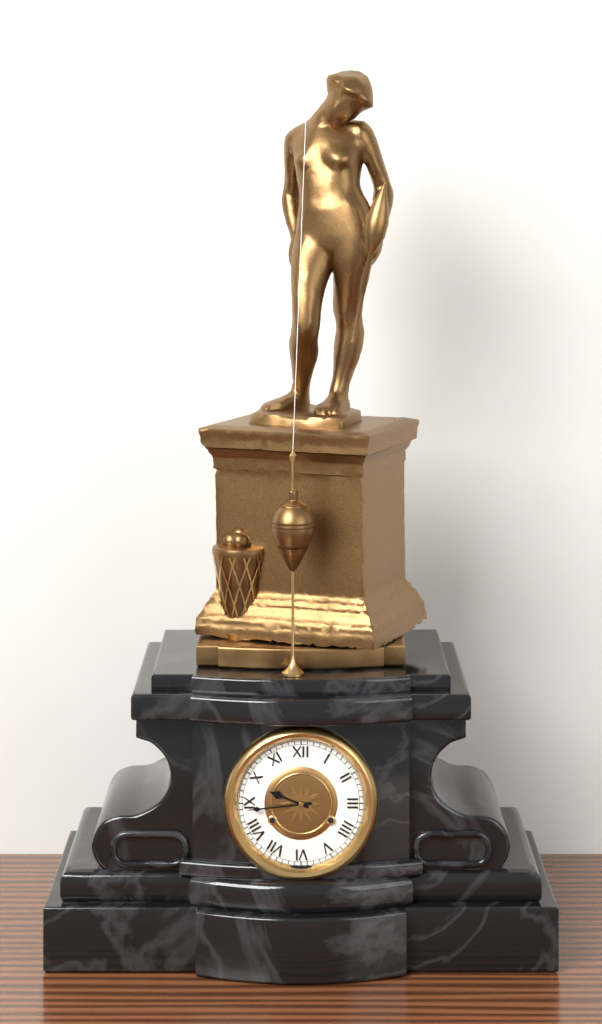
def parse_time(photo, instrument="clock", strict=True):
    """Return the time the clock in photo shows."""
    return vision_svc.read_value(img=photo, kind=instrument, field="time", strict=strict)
9:44
